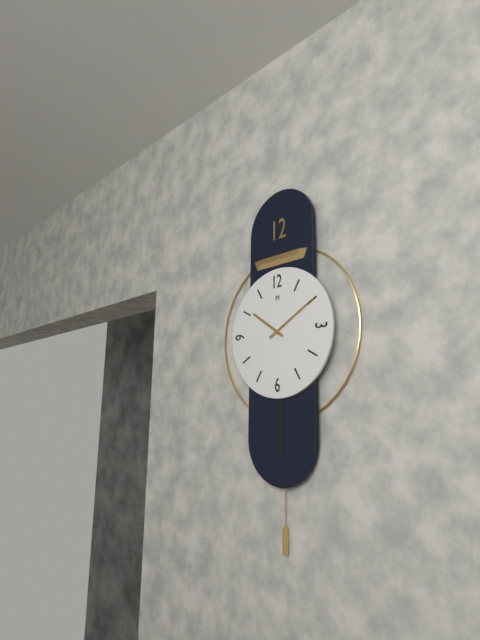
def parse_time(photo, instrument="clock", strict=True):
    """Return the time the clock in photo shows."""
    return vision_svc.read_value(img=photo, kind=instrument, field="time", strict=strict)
10:10
